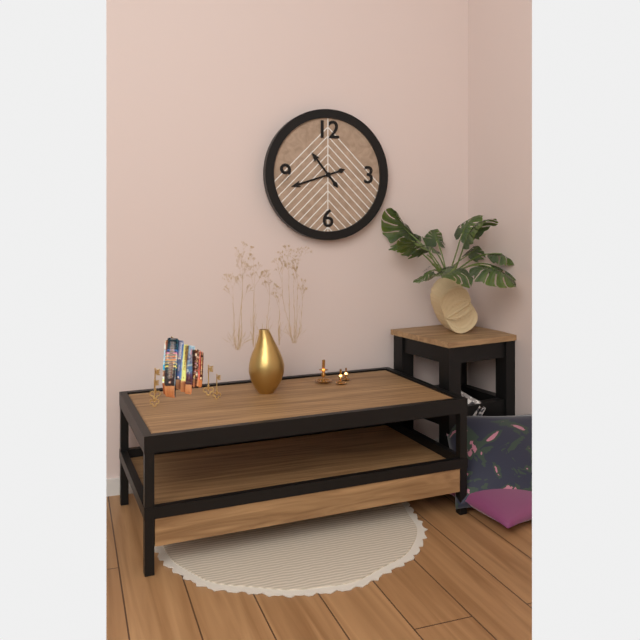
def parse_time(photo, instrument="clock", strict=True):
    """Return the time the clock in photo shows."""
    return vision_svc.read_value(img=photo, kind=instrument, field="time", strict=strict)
10:42
